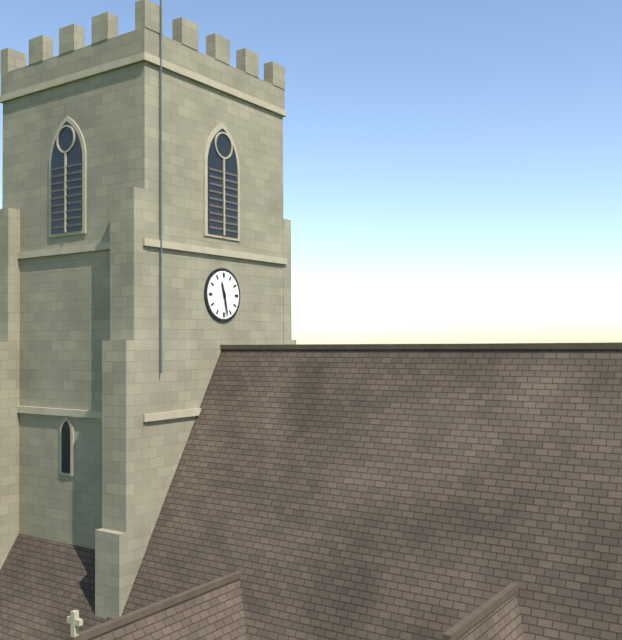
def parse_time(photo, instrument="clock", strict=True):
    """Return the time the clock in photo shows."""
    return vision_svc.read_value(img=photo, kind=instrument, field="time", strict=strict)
11:28
